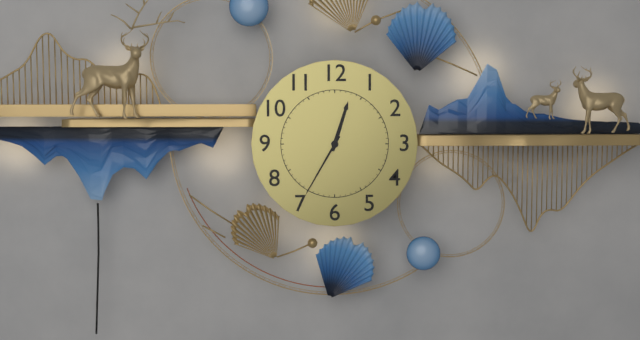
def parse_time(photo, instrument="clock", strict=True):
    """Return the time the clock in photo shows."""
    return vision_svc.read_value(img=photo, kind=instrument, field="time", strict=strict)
12:35
